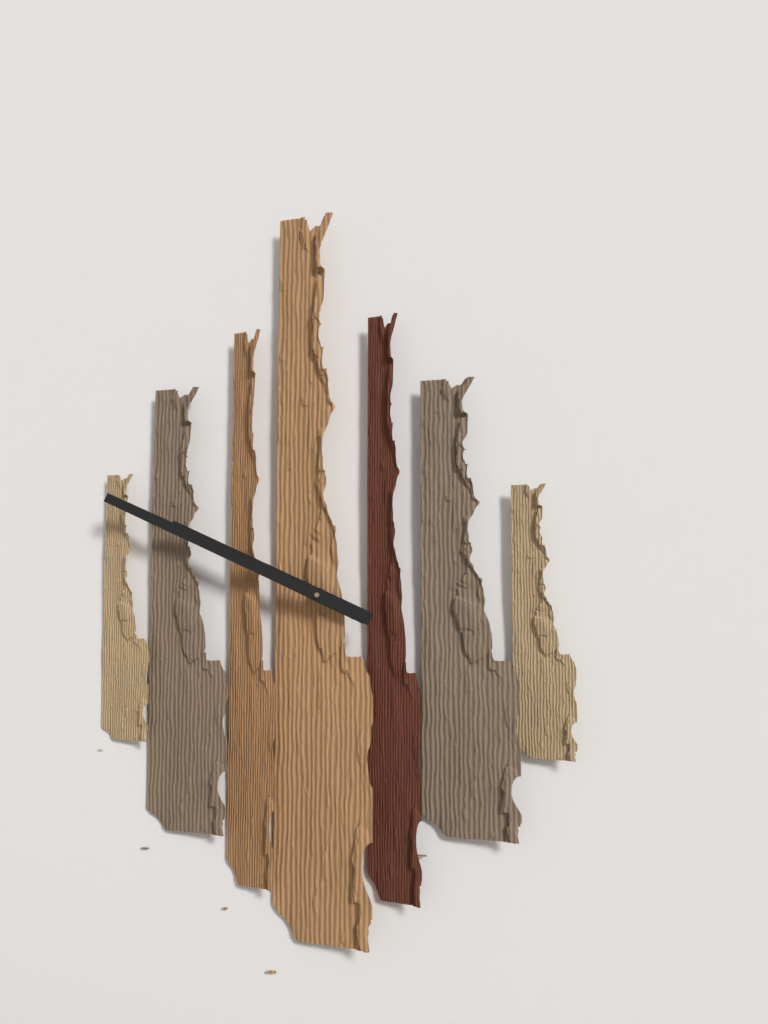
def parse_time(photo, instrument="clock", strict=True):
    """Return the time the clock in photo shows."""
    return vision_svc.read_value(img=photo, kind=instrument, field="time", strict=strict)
9:49
